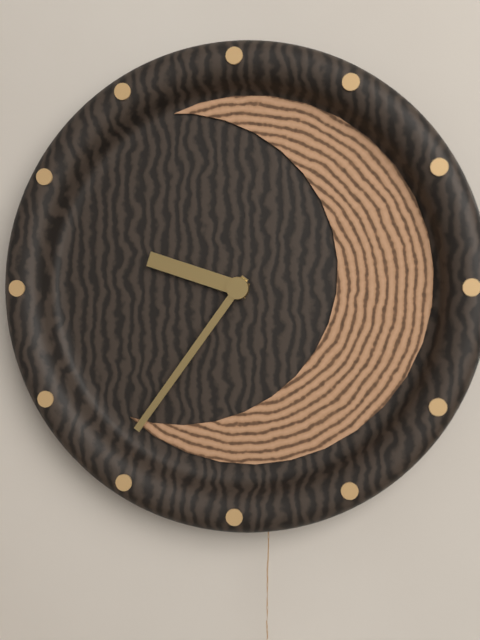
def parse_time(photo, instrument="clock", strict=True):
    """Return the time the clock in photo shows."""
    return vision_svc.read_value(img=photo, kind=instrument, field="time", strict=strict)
9:36
